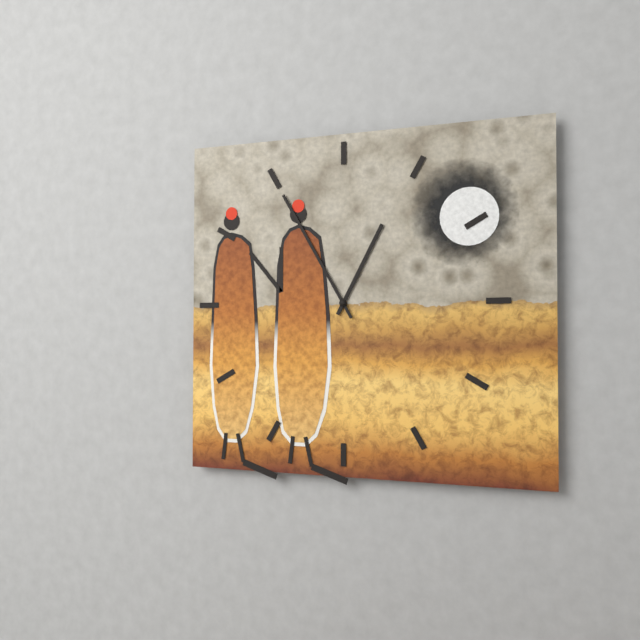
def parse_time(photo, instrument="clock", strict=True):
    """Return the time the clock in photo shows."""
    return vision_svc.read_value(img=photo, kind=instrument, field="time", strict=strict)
12:55
